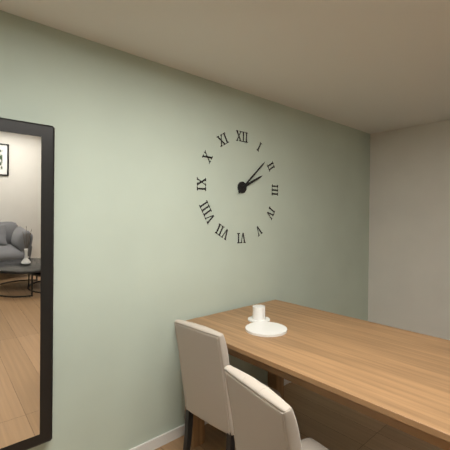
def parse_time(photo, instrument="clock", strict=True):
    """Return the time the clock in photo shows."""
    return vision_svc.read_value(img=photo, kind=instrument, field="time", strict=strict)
2:08
